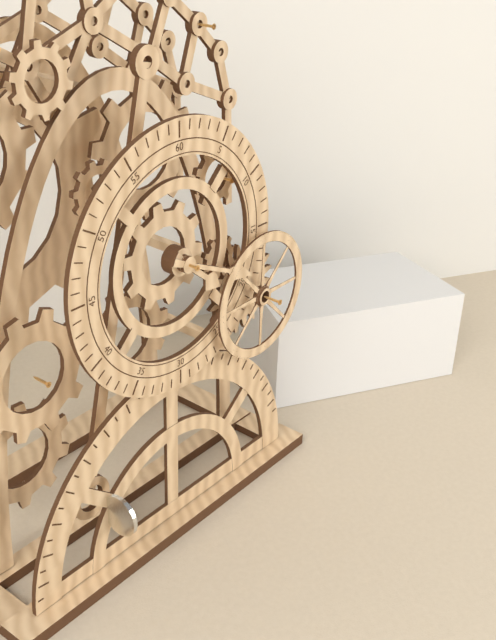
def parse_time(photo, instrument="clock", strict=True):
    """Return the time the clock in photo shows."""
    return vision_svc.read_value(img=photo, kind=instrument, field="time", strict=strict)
4:19
